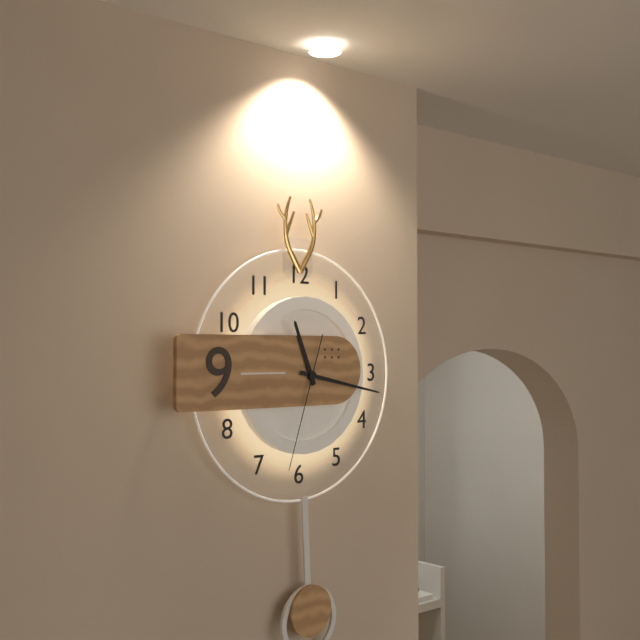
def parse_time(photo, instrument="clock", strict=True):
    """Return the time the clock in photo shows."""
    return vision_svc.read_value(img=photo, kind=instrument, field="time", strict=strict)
11:17:33
